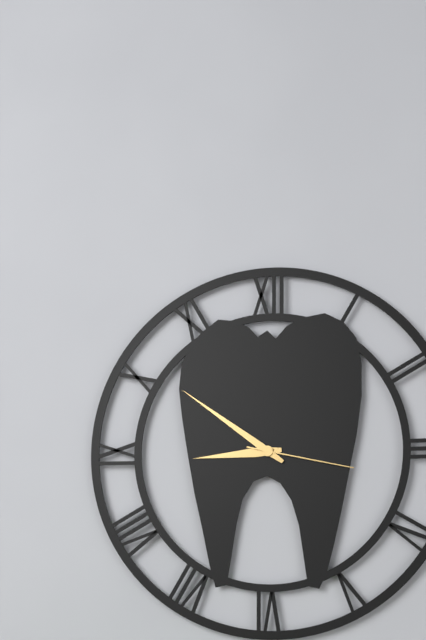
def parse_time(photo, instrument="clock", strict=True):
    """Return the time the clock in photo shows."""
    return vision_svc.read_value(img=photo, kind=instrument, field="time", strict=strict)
8:51:17
